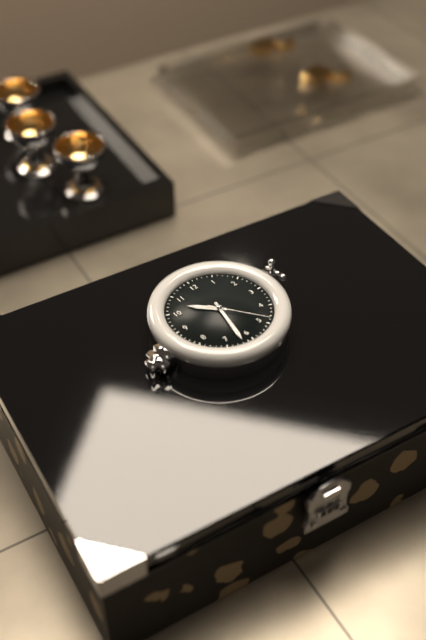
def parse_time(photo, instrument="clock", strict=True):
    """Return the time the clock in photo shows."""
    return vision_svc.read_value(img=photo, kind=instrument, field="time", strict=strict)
10:32:24
